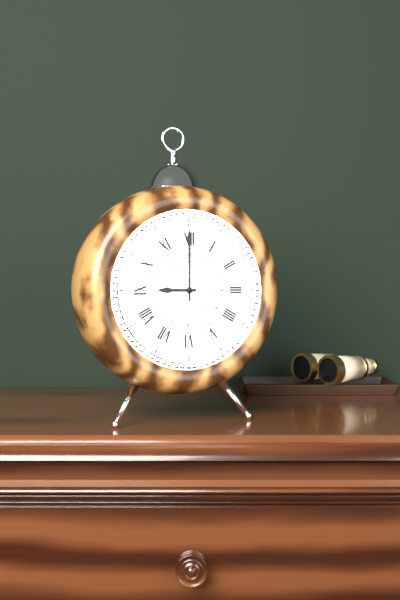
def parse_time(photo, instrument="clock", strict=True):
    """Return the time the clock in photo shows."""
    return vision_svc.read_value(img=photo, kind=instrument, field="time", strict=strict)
9:00
